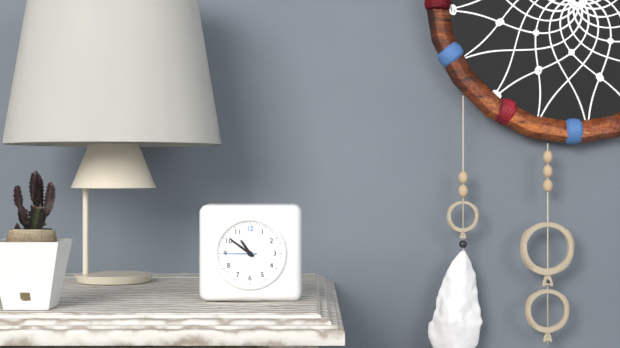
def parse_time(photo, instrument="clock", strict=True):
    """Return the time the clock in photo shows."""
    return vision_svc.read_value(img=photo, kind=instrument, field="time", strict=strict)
10:51
